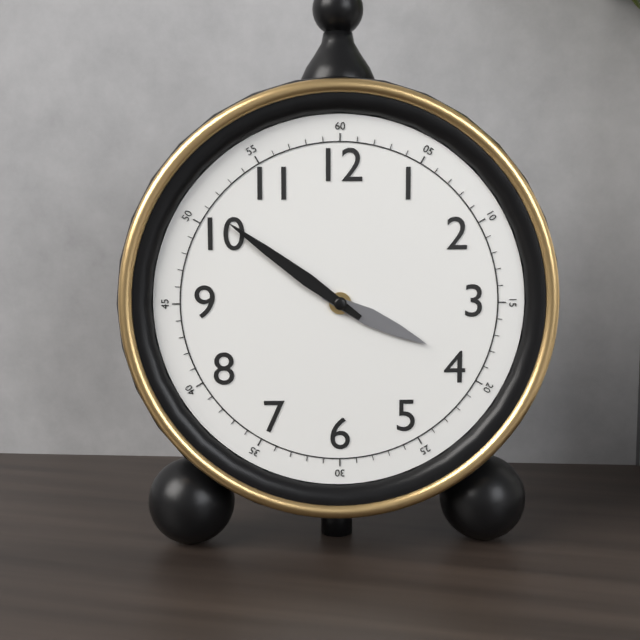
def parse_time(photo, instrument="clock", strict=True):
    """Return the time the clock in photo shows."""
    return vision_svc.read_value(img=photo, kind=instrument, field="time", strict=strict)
3:51
